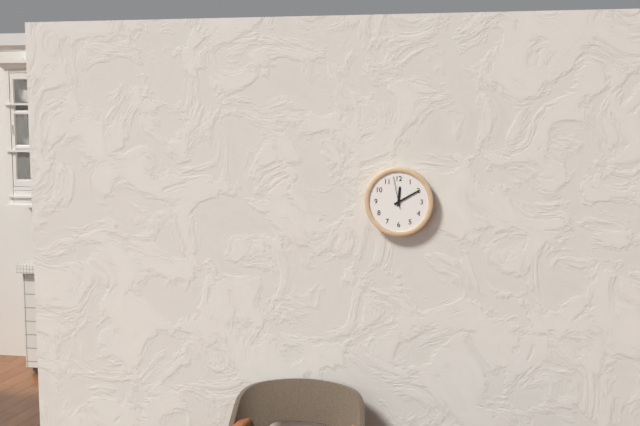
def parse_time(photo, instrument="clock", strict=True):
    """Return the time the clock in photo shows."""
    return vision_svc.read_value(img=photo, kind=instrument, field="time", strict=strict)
12:10
